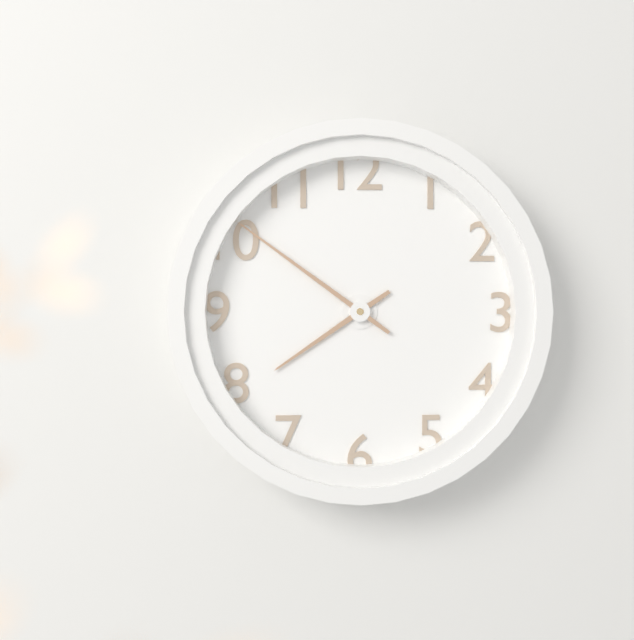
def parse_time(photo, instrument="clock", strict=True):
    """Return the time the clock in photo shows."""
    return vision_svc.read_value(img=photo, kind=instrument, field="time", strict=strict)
7:51
